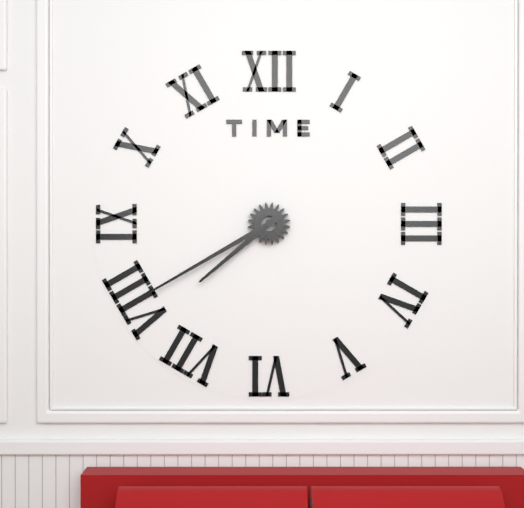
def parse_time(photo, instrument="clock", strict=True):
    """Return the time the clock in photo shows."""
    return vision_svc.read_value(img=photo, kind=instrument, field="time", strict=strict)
7:40
